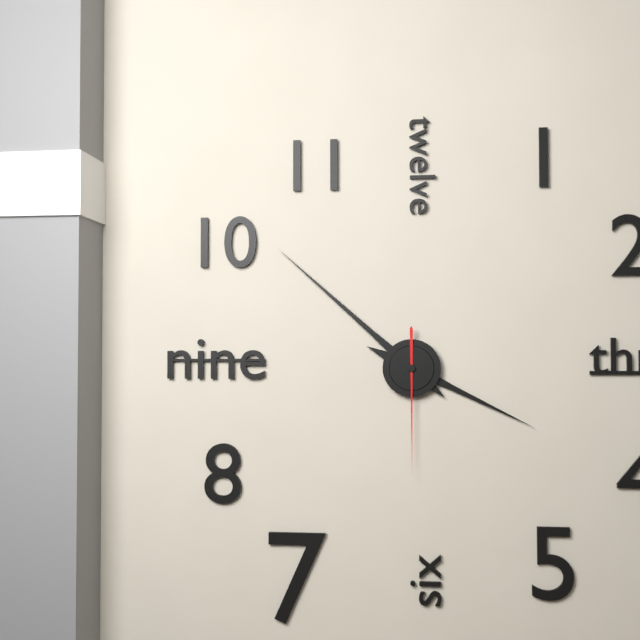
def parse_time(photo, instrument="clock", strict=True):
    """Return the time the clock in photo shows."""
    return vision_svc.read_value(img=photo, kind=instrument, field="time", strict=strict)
3:52:30
